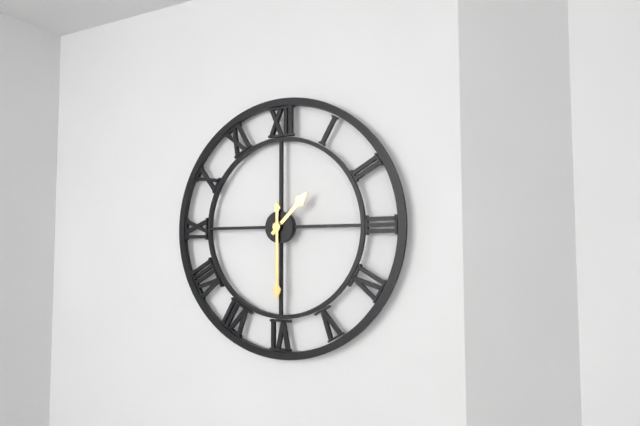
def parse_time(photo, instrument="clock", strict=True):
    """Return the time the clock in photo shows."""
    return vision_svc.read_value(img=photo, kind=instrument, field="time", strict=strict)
1:30
